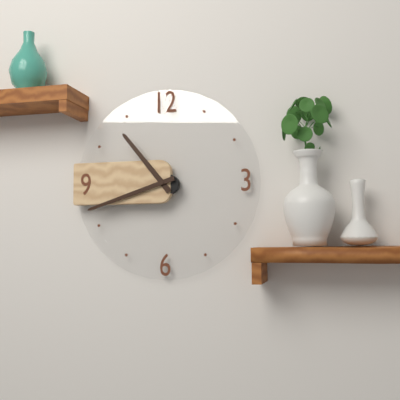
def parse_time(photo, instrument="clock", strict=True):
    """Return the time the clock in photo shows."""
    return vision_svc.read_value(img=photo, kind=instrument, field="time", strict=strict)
10:42
